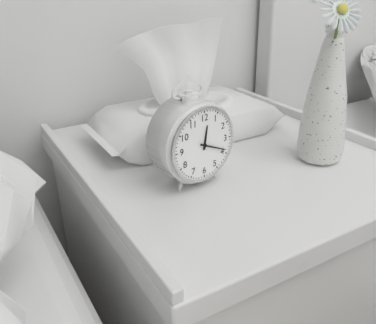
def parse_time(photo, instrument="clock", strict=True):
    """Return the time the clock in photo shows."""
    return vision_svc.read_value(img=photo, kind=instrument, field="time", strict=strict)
12:19
